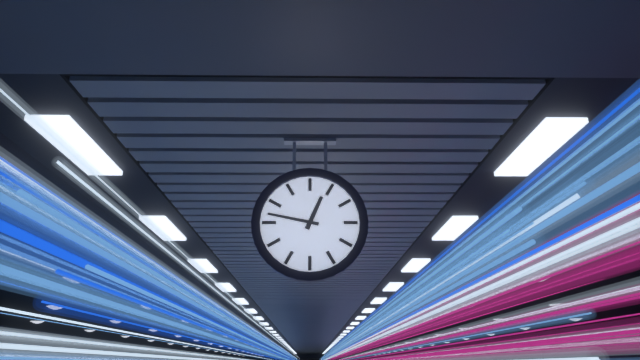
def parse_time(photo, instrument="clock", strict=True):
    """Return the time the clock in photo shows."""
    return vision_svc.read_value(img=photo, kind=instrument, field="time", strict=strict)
12:47
